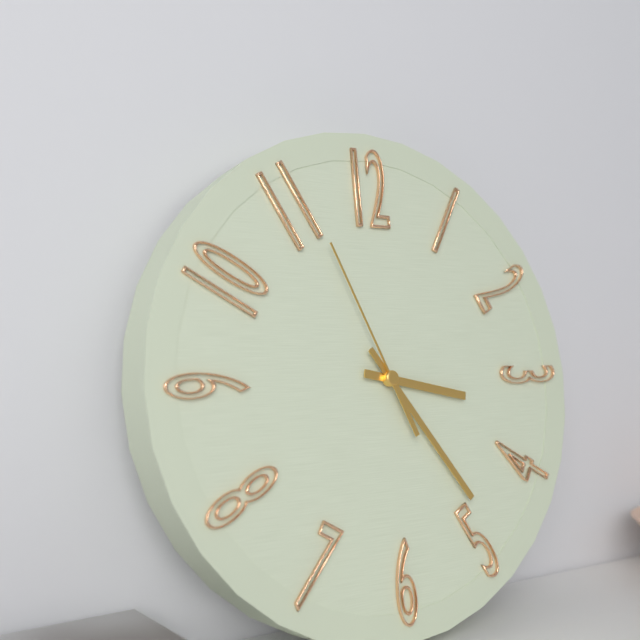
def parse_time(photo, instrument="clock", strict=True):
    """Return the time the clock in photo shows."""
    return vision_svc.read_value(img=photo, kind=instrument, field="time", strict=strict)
3:24:56
